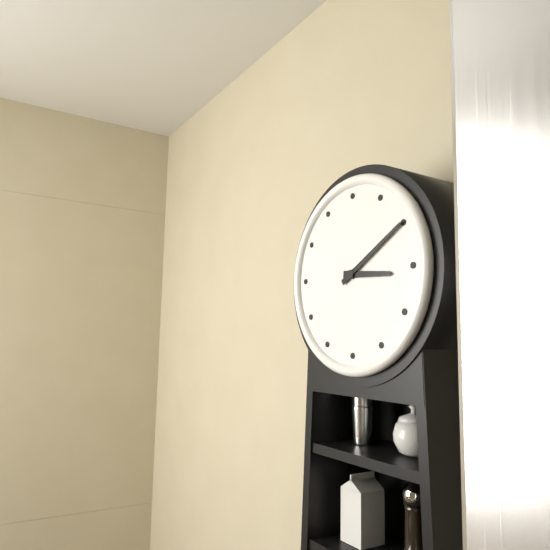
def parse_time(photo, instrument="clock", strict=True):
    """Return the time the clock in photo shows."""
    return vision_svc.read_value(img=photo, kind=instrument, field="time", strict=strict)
3:10
